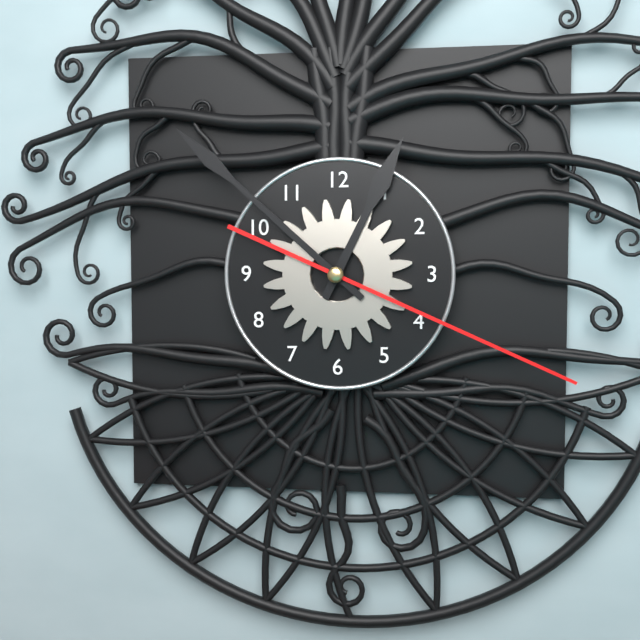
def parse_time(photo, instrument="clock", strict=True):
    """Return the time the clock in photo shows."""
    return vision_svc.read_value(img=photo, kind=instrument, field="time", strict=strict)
12:52:19
